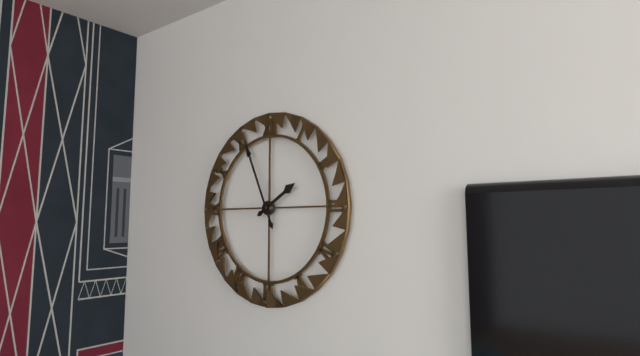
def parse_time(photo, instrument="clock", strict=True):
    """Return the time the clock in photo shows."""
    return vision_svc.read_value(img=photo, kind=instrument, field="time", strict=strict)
1:56
